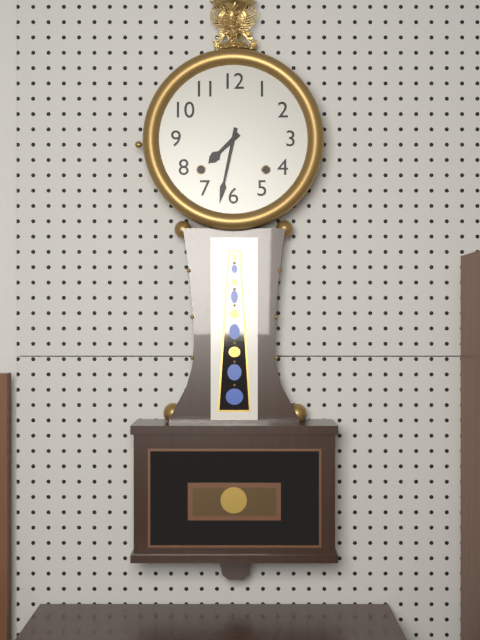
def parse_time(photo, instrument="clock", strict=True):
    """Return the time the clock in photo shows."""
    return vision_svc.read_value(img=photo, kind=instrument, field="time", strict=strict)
7:32
